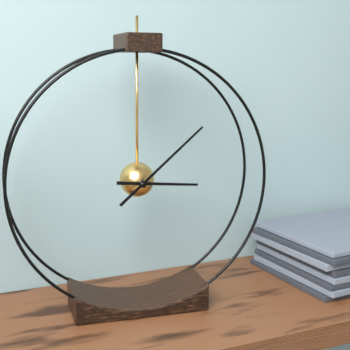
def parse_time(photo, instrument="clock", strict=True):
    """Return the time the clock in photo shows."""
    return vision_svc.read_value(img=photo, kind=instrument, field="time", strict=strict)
3:08
